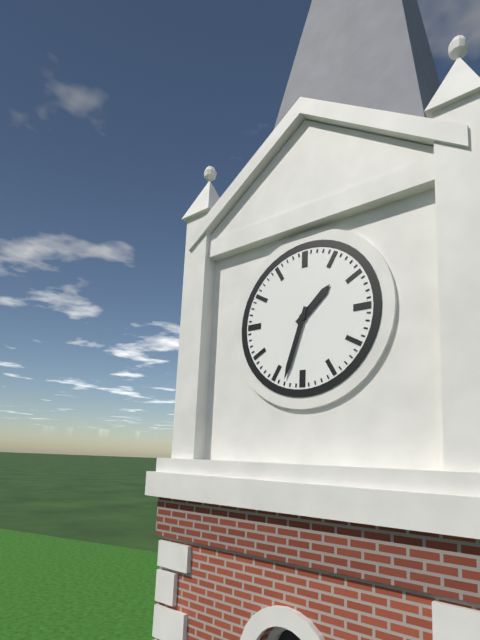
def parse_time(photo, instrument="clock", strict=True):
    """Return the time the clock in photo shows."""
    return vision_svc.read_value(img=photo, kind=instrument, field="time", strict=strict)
1:33
